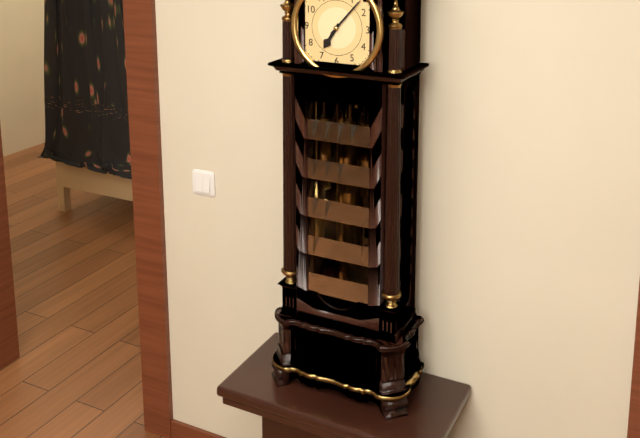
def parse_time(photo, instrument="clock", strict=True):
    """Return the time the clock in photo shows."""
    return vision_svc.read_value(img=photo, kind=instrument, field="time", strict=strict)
7:07
